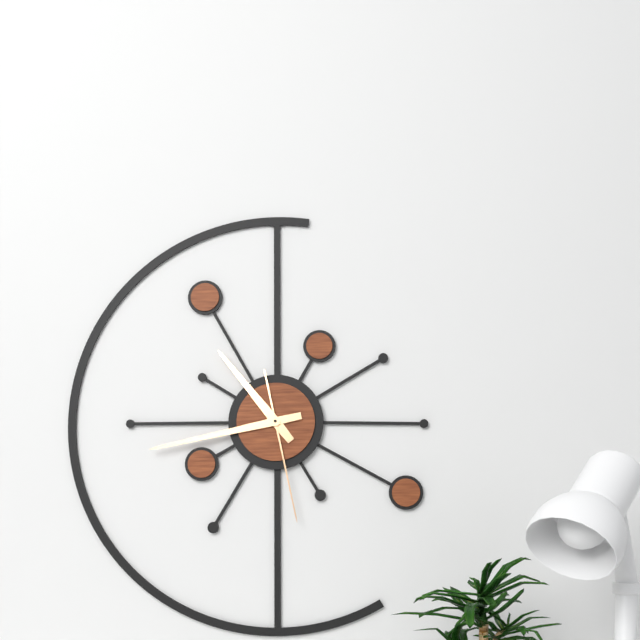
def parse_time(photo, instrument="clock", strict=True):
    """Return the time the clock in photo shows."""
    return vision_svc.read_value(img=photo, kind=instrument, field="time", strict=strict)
10:43:28
